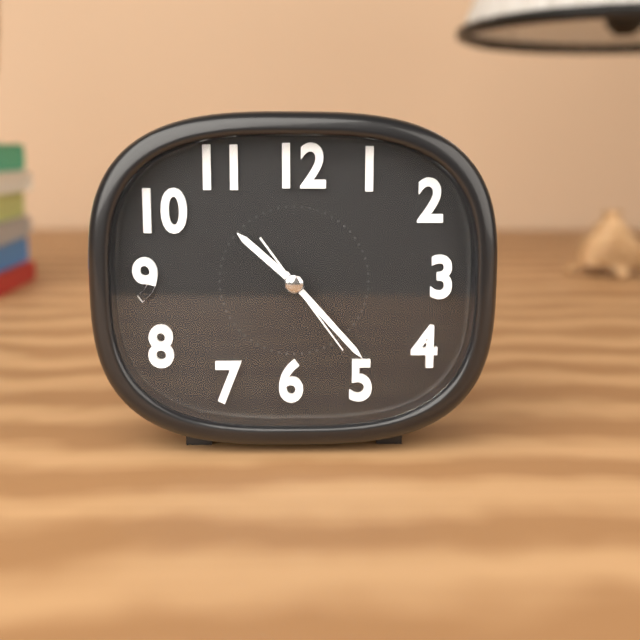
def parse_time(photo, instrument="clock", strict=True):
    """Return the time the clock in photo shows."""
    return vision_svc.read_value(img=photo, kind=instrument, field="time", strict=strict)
10:23:24
